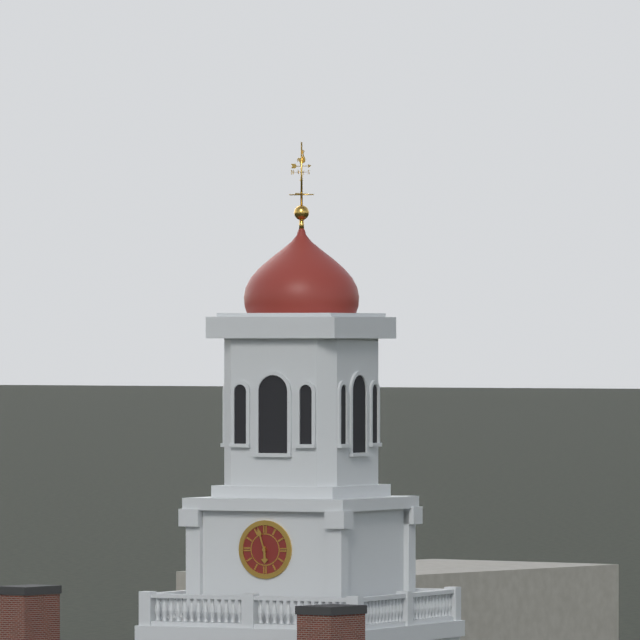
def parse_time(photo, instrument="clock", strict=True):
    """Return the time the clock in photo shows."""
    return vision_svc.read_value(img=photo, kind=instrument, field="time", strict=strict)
5:57
